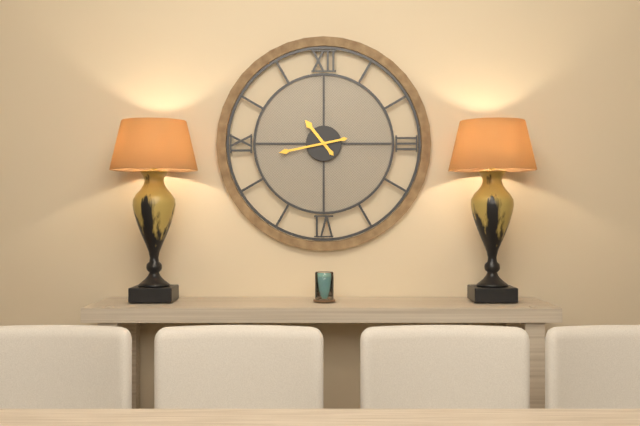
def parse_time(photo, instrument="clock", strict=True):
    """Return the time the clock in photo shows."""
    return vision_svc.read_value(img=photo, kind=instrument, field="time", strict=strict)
10:43
